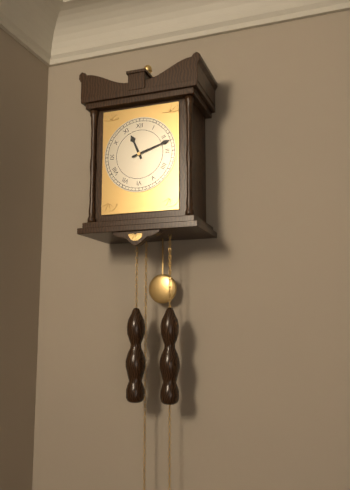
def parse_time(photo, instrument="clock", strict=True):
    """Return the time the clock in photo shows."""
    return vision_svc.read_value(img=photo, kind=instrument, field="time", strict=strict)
11:12
